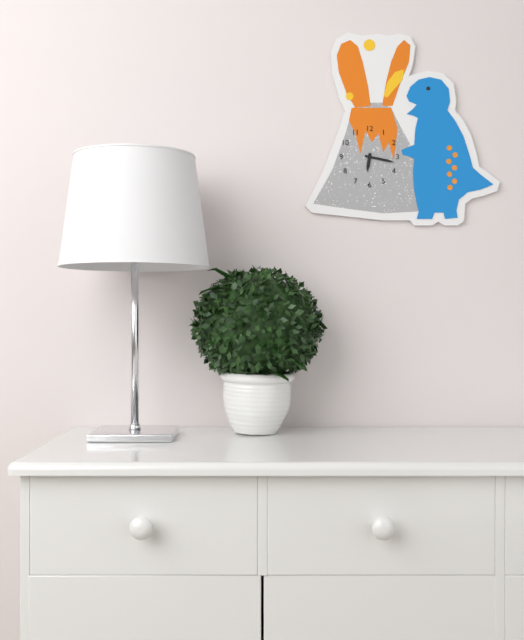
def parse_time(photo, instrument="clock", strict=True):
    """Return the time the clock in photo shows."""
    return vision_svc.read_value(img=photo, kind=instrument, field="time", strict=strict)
6:17
